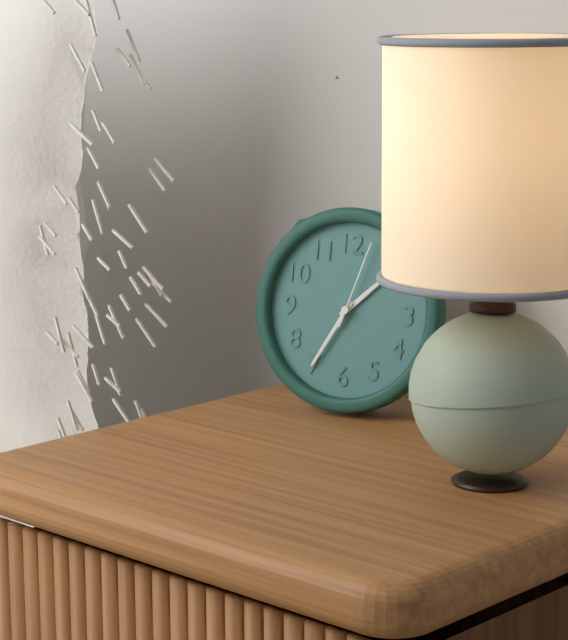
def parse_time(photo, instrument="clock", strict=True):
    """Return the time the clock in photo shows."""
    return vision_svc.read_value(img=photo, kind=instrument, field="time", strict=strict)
1:35:03
